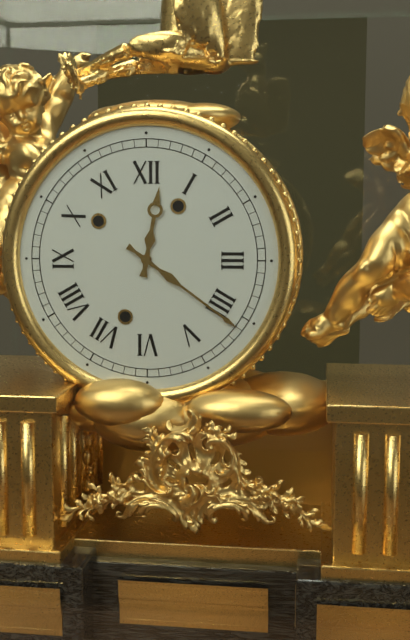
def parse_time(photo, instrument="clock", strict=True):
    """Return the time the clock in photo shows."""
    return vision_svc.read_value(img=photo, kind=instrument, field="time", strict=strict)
12:21
